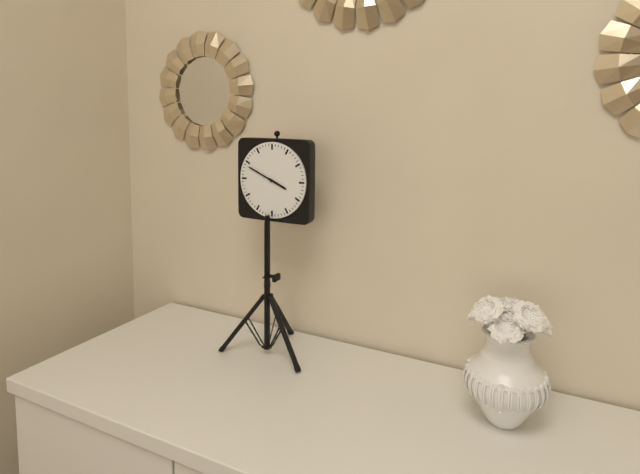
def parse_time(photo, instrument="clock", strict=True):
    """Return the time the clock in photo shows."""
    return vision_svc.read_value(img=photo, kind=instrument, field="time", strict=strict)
3:49
